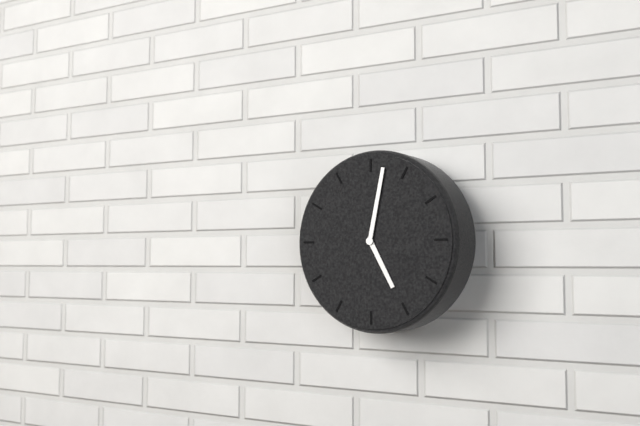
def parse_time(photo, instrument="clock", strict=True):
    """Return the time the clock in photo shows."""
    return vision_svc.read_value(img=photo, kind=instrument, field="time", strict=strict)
5:02
